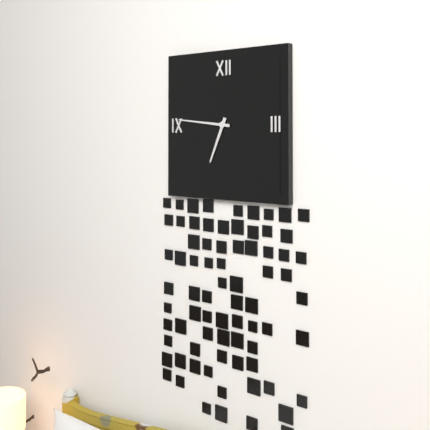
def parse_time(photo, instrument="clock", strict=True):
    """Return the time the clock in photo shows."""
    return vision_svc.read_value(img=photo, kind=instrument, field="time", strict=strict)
6:46
